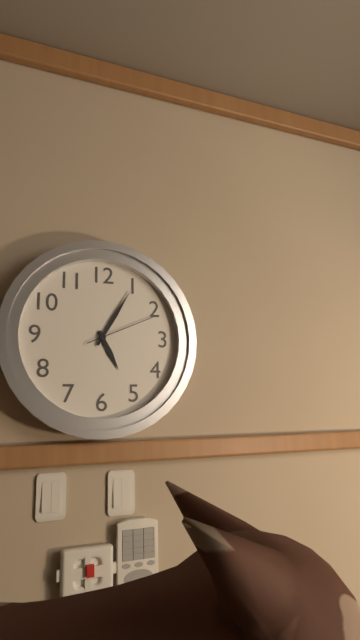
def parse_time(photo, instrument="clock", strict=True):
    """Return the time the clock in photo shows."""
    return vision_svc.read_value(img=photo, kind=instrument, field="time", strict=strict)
5:05:11
